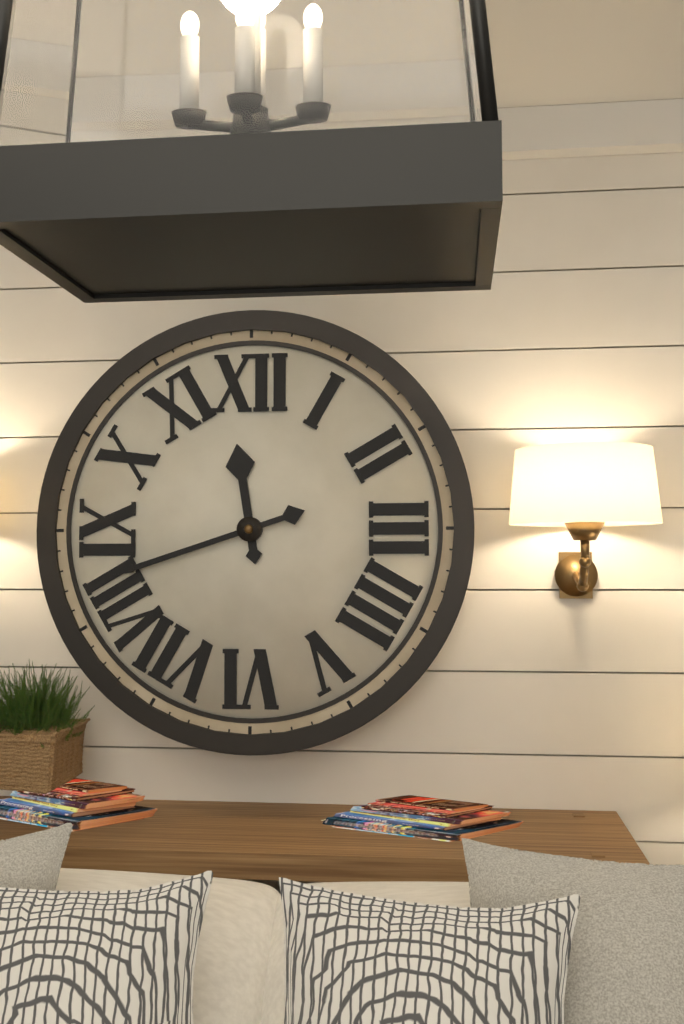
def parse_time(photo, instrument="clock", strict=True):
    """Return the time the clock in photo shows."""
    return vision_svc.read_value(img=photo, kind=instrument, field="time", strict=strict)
11:42
